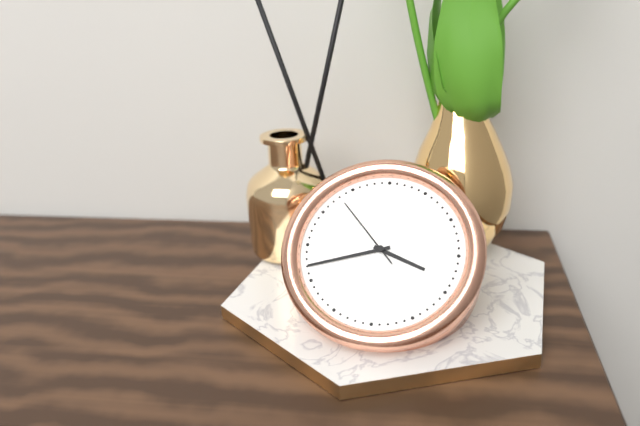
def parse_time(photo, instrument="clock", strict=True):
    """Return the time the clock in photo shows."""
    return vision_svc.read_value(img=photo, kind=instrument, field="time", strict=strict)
3:42:53
